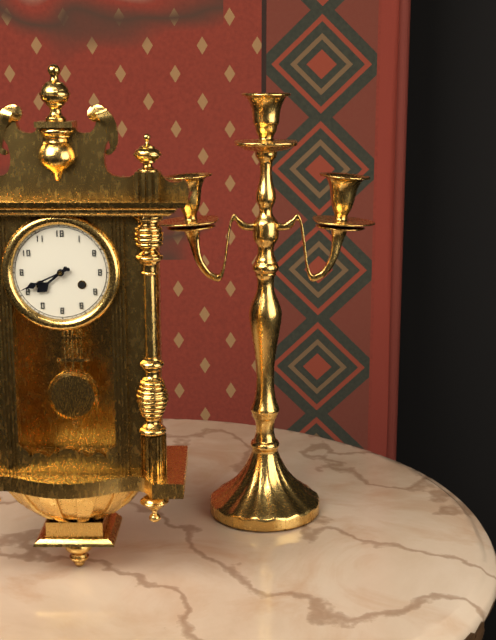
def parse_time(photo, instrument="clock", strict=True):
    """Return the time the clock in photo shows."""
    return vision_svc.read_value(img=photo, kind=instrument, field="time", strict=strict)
7:41
